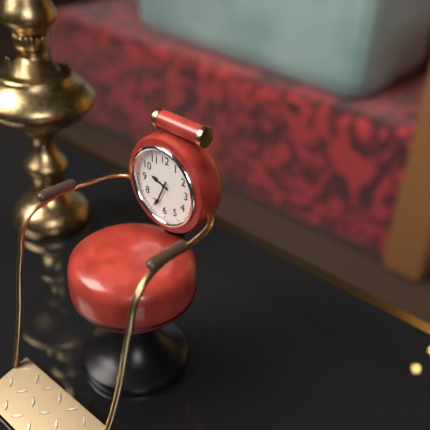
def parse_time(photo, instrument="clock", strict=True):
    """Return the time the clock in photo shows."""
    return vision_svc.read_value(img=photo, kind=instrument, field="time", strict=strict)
9:34
